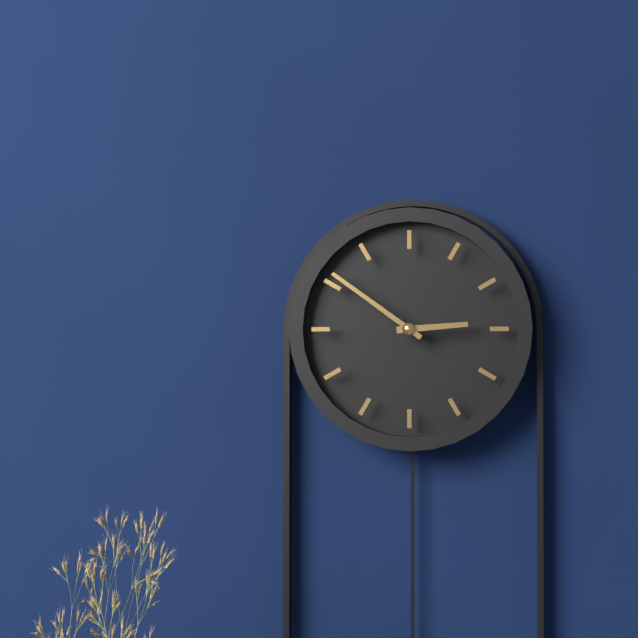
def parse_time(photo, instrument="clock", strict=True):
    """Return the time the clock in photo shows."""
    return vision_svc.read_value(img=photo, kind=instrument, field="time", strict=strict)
2:51
